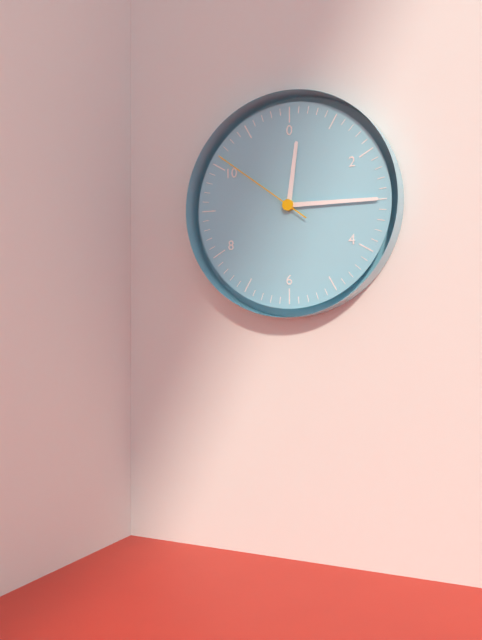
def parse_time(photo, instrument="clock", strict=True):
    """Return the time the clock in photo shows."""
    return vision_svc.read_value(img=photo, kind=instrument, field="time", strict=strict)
12:15:51
